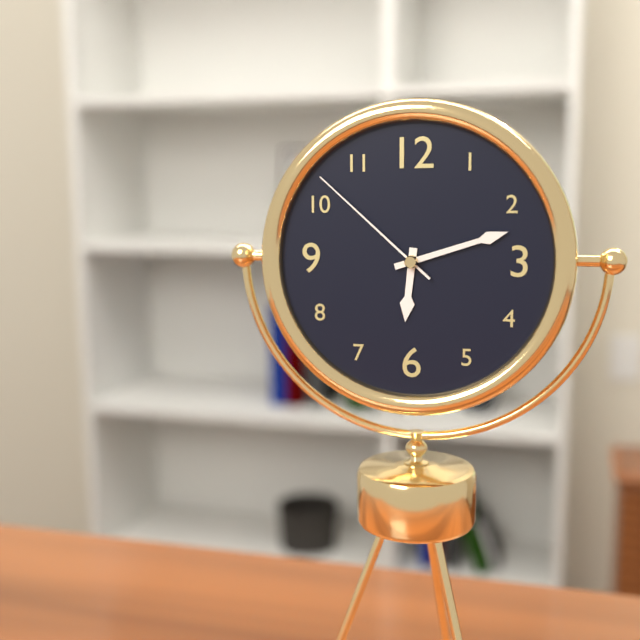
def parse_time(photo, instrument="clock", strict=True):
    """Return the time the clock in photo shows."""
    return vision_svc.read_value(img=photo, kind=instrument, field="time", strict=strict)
6:12:52
